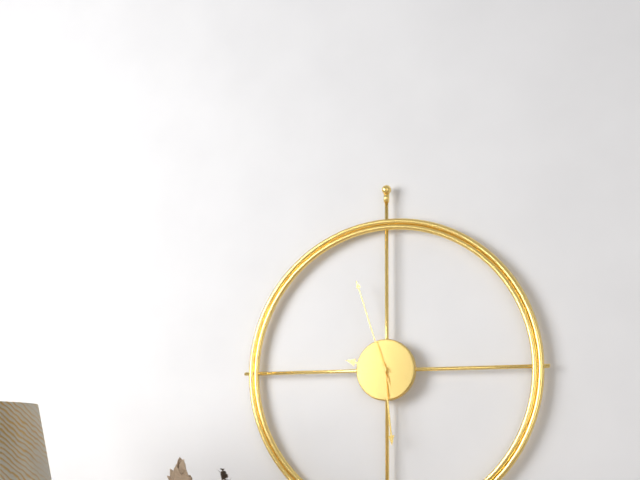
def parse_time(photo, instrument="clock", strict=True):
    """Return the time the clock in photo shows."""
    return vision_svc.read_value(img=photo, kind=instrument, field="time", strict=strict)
9:29:57
